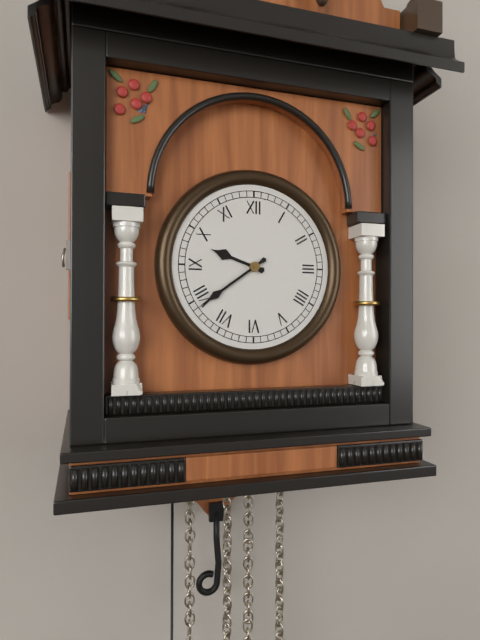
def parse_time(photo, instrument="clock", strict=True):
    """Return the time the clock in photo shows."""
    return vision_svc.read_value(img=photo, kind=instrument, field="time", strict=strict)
9:39
